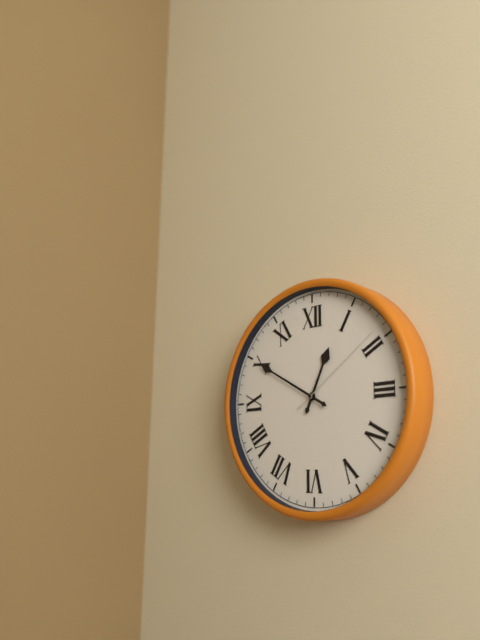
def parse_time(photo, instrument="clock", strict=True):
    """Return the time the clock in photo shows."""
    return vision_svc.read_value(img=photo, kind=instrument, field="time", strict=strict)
12:50:09
